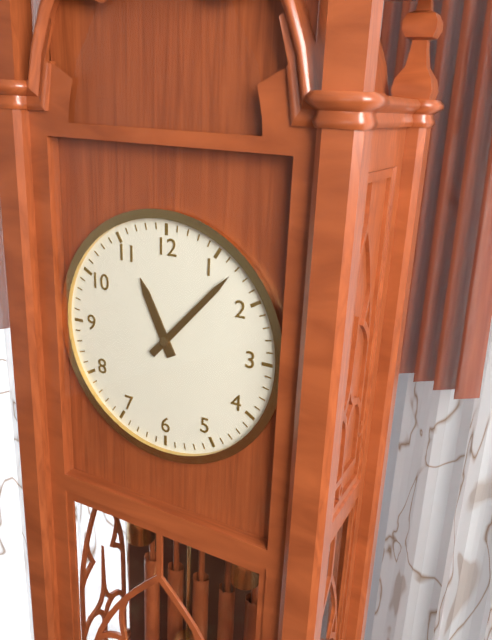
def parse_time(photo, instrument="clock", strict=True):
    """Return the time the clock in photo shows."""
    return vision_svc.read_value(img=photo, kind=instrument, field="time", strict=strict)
11:07
